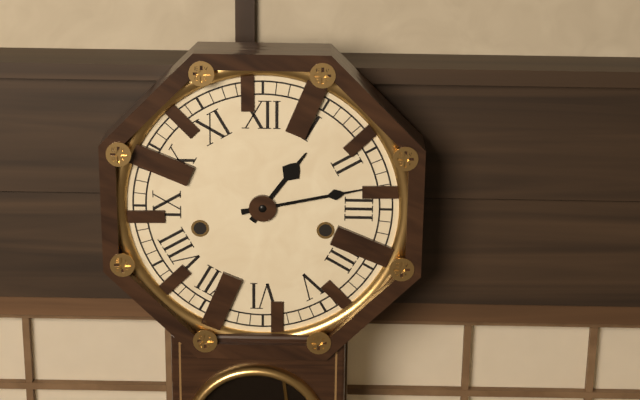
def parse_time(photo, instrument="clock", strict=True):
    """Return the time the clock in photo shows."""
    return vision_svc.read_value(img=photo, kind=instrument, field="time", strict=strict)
1:13
